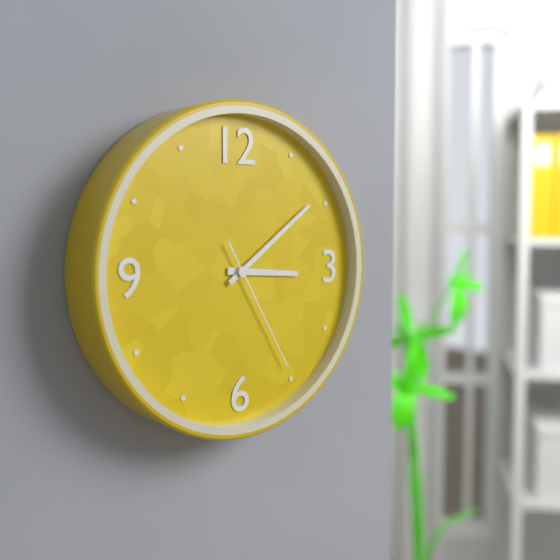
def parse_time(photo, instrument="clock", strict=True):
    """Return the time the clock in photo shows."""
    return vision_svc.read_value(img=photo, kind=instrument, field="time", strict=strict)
3:09:25
